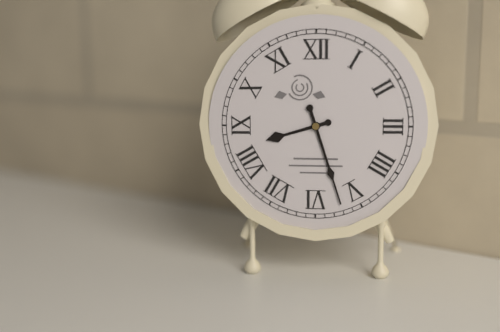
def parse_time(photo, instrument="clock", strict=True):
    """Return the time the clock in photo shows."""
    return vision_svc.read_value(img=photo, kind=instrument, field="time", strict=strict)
8:27
